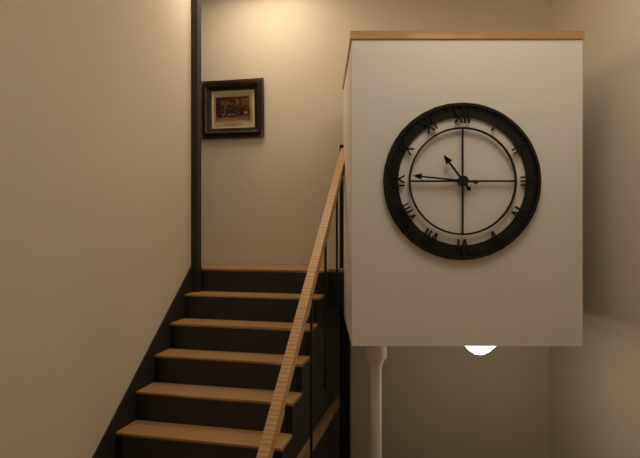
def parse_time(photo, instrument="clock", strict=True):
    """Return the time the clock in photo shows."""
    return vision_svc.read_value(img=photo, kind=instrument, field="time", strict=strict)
10:46
